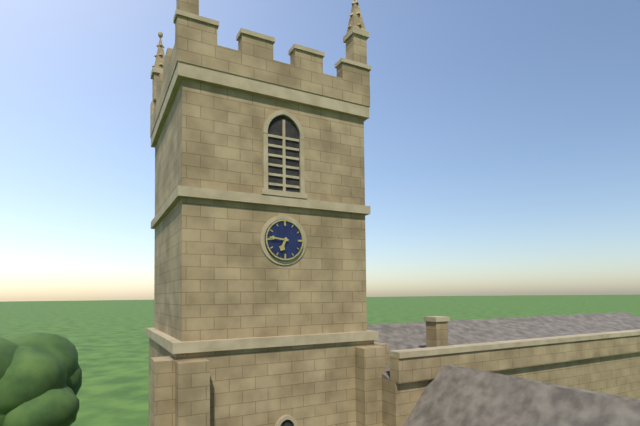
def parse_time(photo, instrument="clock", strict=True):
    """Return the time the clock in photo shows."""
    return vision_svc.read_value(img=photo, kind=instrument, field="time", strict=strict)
6:46
